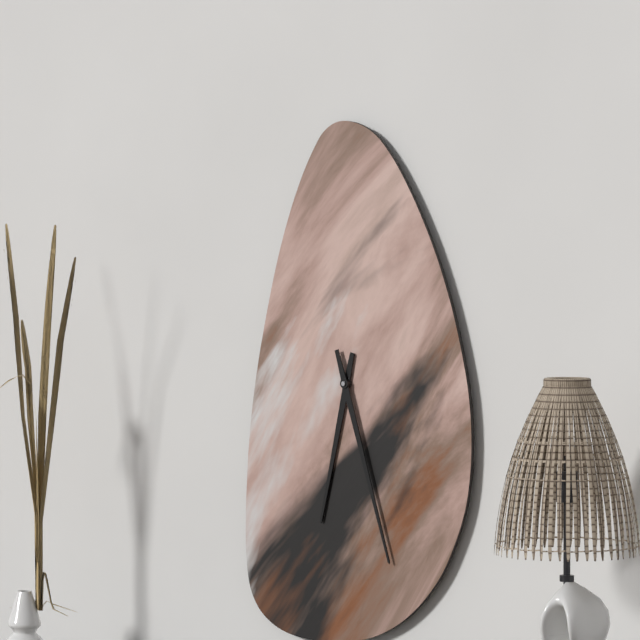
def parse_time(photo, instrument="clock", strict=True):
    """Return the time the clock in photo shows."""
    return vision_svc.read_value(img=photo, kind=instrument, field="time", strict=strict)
6:27
